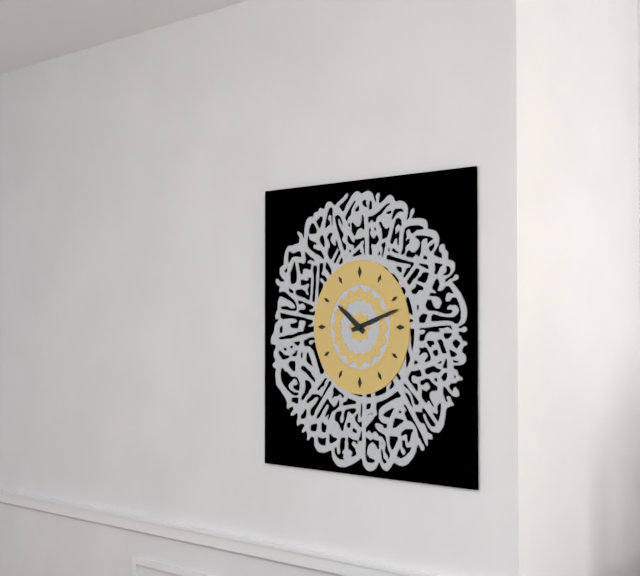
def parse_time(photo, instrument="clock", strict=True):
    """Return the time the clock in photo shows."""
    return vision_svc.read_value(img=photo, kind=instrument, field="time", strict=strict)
10:12
